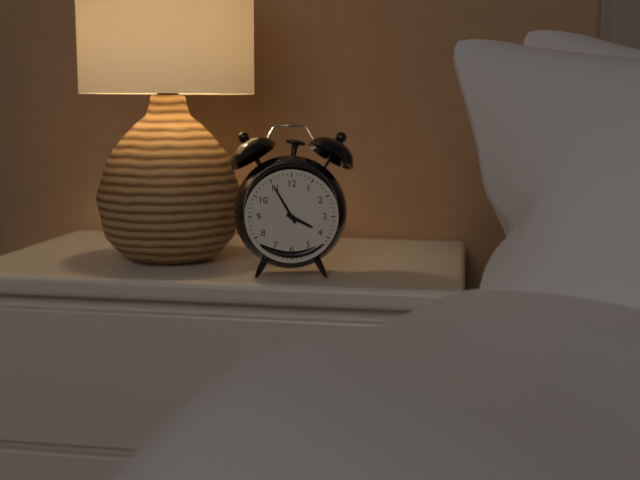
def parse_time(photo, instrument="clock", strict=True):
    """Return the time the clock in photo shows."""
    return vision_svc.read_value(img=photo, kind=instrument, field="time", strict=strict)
3:55
